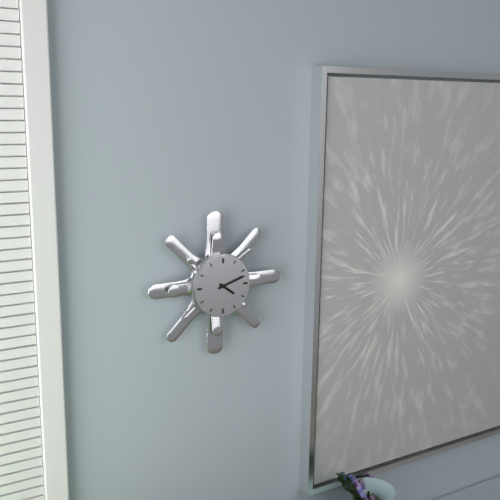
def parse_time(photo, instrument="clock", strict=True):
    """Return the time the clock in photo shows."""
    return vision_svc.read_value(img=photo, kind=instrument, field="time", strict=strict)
4:12
